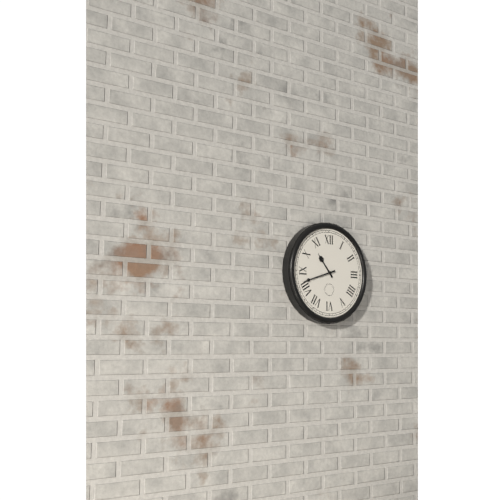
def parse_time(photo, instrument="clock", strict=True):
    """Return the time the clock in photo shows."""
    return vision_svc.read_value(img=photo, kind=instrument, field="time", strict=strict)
10:42
